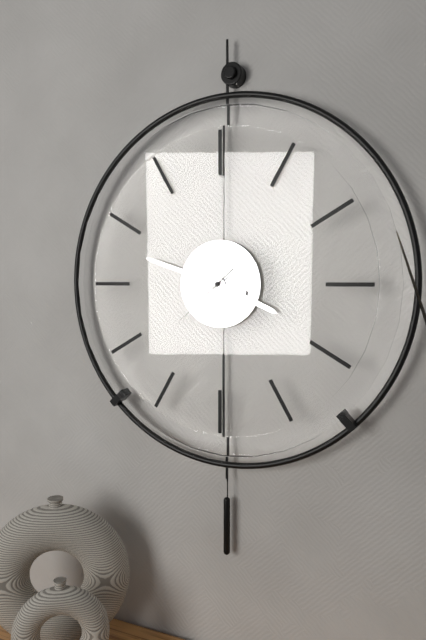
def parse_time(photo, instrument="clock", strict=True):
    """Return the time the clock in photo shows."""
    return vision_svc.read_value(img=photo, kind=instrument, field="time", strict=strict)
3:48:38
